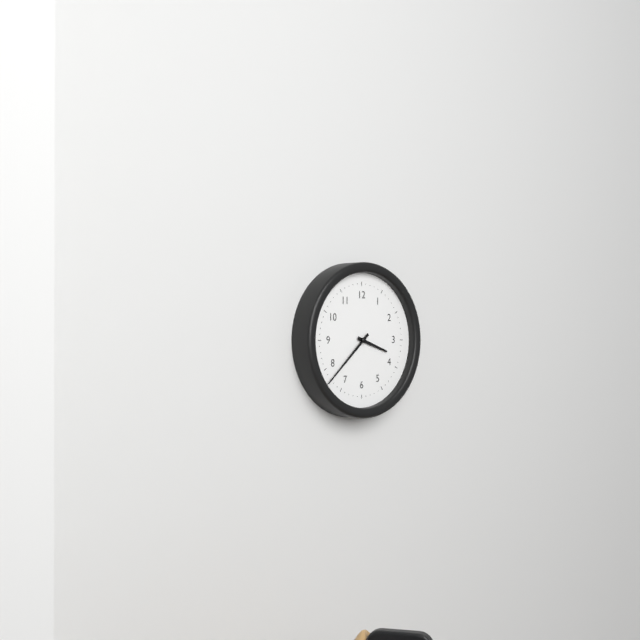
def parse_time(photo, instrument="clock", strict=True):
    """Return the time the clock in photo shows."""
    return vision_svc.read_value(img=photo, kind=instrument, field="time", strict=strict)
3:38
